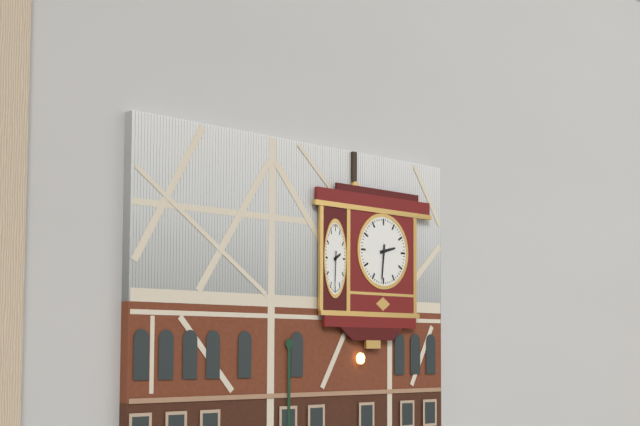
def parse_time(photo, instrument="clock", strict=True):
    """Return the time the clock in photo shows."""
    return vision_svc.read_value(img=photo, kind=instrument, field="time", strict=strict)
2:31
